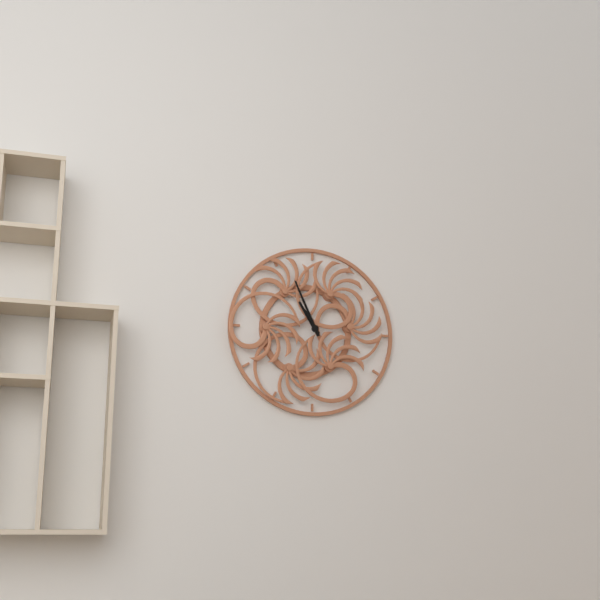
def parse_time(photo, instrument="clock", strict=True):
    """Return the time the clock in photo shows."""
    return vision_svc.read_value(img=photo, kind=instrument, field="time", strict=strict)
10:56
